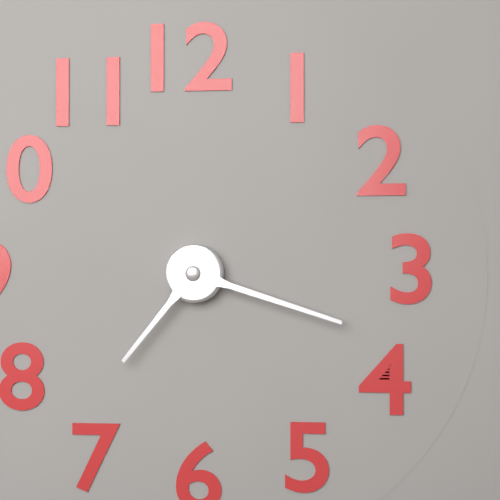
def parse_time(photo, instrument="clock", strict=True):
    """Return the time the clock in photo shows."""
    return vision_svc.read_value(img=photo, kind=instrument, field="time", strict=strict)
7:18
